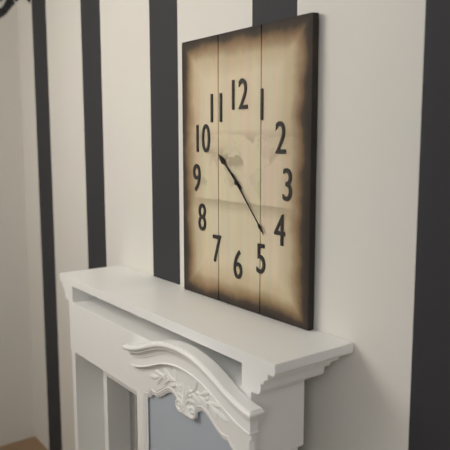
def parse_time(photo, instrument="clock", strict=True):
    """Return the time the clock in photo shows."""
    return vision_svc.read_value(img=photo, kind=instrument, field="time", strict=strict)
10:23
